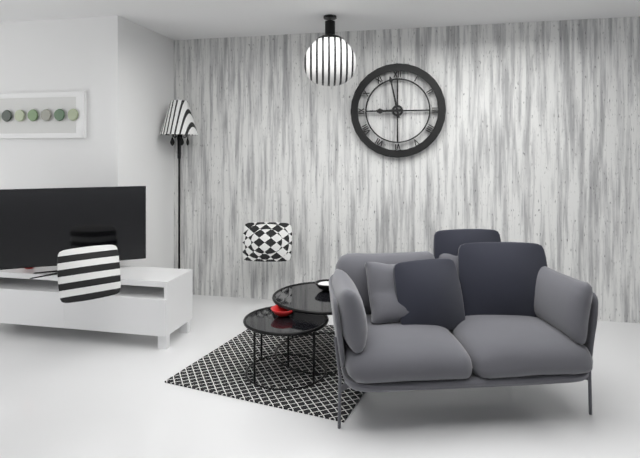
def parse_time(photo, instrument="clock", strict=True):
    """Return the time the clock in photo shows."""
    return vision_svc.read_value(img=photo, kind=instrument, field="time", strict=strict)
8:58
